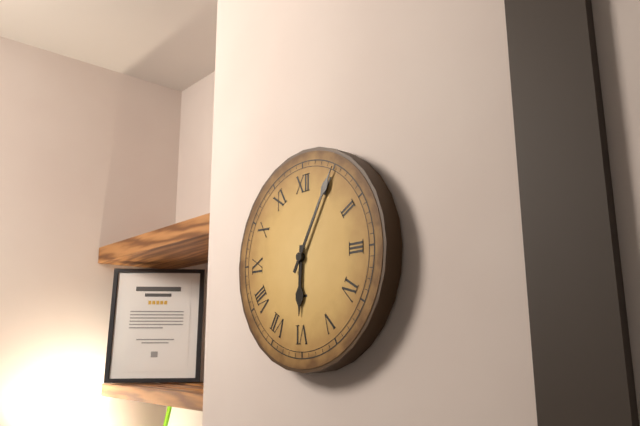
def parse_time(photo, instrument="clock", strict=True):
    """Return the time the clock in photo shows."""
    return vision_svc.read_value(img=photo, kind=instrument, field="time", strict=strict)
6:05
